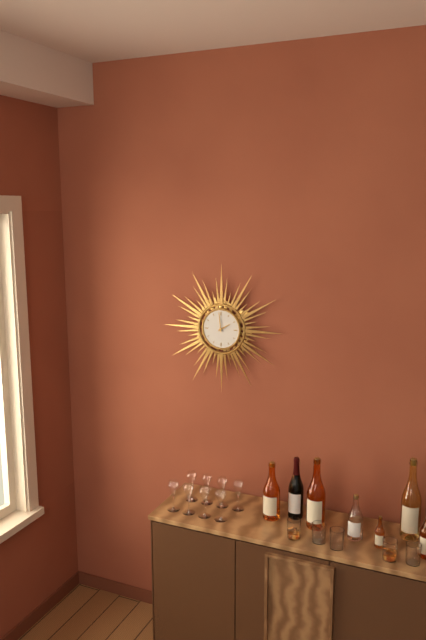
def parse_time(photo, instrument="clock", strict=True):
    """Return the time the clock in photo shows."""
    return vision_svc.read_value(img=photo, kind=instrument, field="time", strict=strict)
1:59
